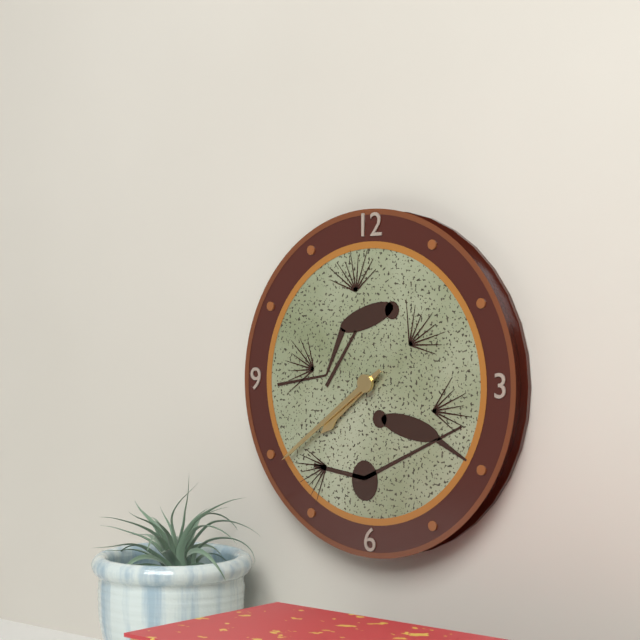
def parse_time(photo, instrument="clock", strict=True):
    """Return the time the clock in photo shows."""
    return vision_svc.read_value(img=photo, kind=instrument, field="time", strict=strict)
7:39
